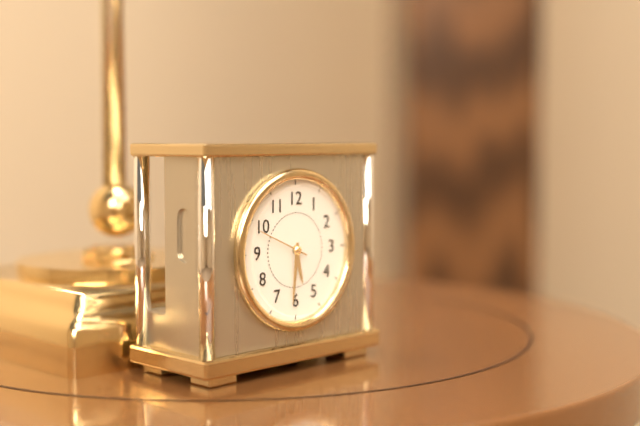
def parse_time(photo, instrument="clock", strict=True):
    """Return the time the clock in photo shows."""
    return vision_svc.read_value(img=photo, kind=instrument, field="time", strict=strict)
5:31
